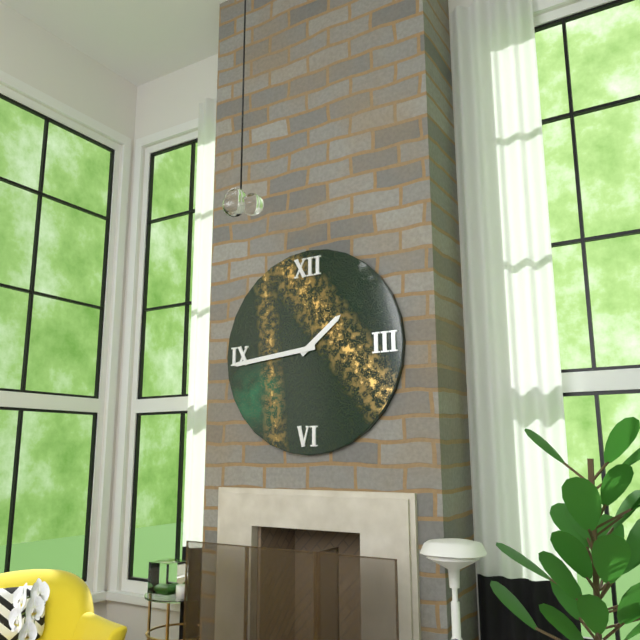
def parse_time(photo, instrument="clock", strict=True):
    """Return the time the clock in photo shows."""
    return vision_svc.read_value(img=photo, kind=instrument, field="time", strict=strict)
1:44
